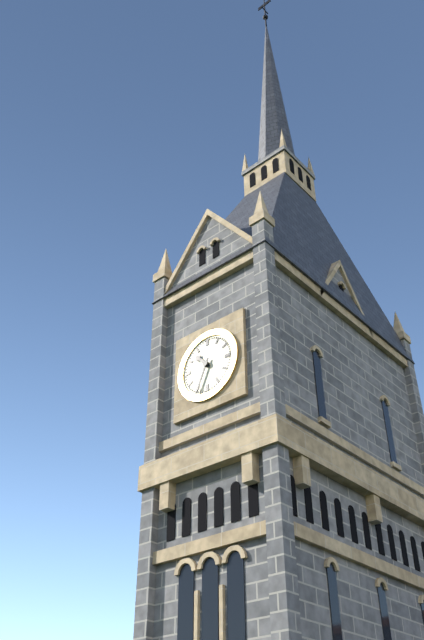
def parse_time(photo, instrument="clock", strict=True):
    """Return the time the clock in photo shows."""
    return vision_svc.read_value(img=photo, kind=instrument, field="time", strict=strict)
10:34
